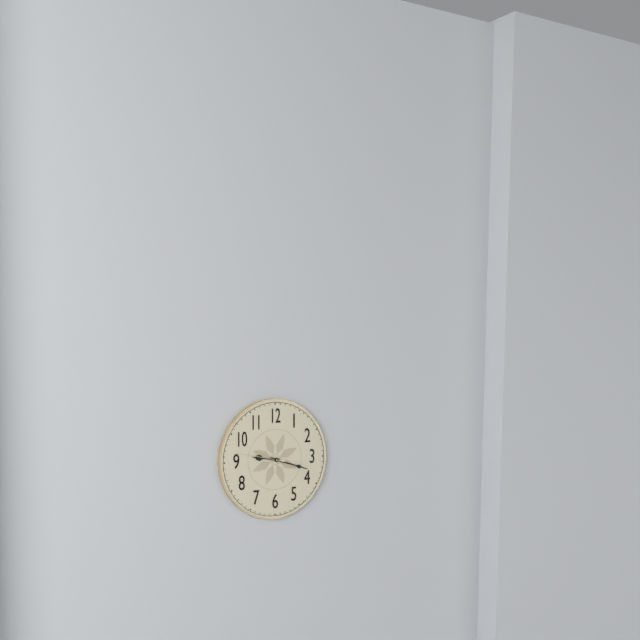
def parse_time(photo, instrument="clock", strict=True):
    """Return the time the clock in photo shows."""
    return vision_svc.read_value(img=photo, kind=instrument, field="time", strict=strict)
9:18:47
